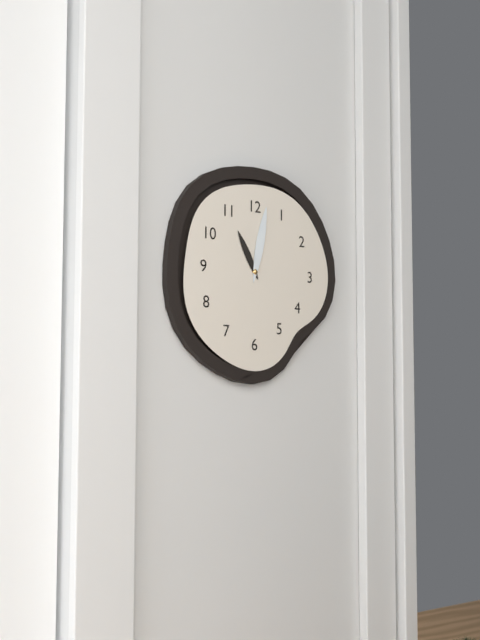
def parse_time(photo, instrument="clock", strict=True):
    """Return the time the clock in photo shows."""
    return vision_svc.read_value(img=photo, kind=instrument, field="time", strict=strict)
11:02
